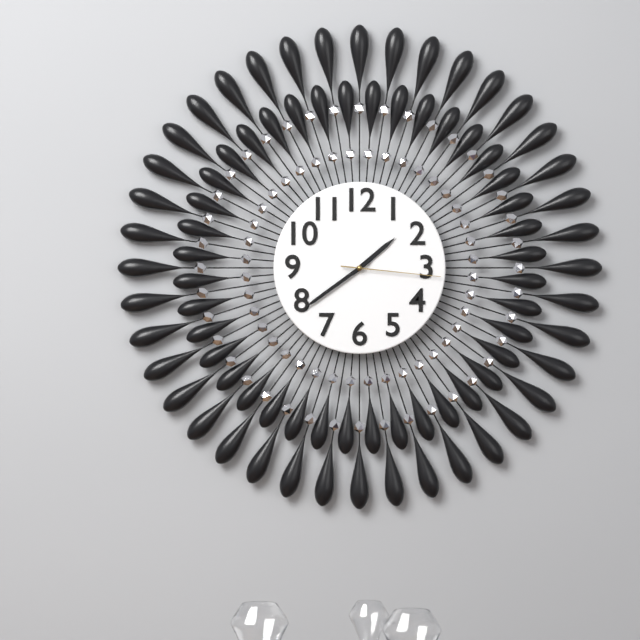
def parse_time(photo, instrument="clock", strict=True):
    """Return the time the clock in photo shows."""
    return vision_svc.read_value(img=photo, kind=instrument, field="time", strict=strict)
1:39:16
